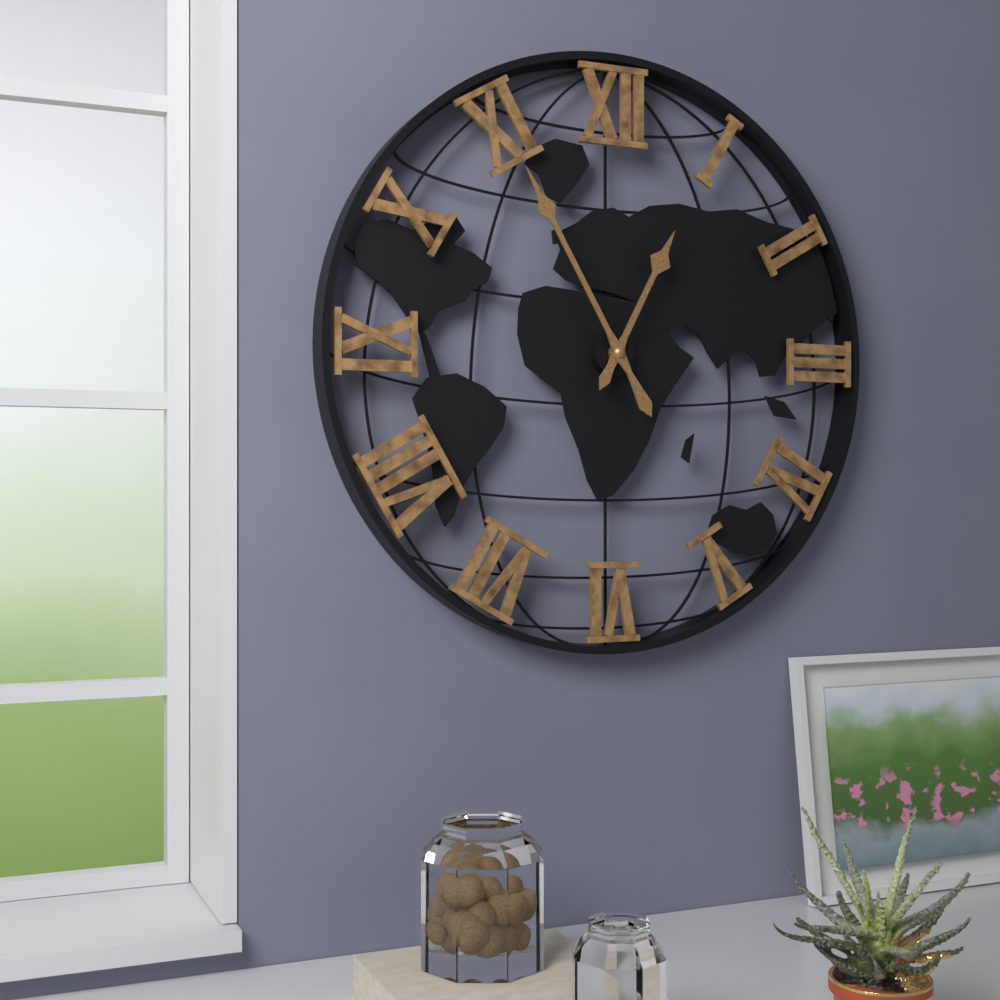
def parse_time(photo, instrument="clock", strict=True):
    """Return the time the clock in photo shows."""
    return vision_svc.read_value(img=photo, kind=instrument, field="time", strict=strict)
12:55
